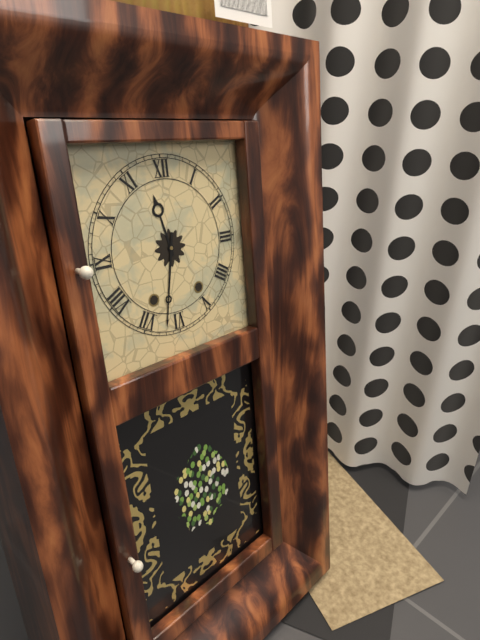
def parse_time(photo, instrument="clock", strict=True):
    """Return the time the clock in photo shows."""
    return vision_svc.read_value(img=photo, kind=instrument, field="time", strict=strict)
11:32
